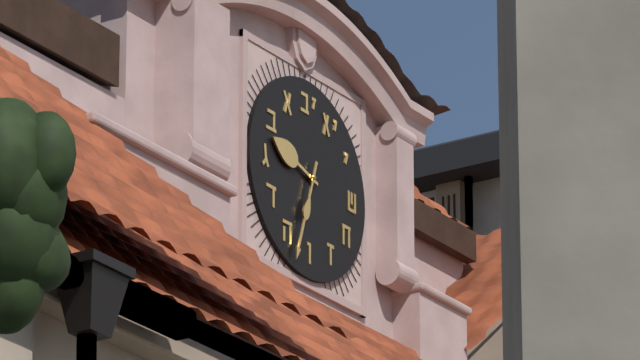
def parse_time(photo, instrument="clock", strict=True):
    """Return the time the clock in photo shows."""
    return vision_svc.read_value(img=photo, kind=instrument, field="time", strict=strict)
9:33
